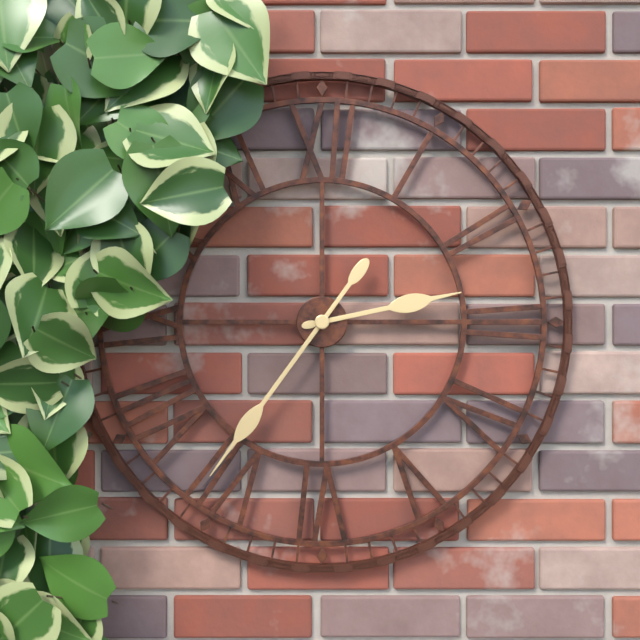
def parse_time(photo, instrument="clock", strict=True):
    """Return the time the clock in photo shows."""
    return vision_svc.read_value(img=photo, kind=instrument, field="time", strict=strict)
2:36
